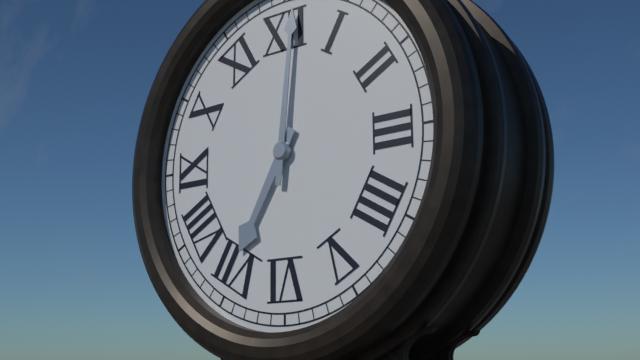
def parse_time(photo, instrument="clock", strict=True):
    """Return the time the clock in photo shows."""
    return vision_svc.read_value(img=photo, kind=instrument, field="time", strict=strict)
7:01
